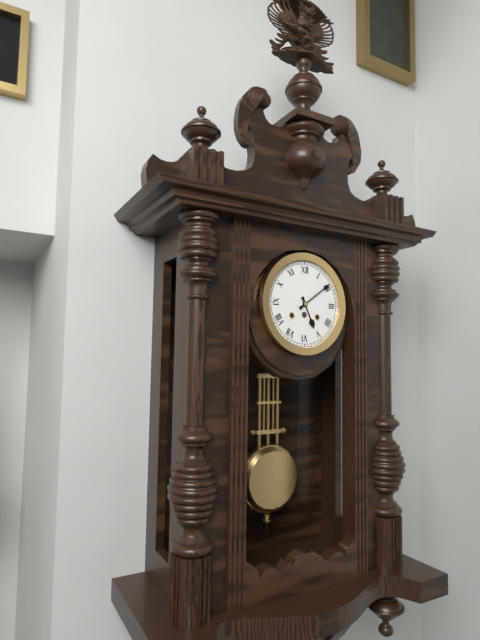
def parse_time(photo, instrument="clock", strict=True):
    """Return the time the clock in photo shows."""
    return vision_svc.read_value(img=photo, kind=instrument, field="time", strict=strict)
5:09
